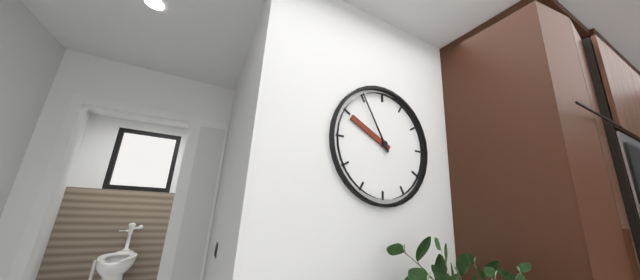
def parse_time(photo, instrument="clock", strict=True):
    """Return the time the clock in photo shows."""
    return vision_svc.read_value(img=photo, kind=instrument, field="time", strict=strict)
9:55
